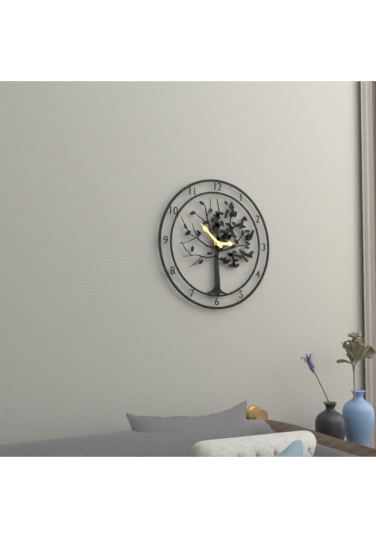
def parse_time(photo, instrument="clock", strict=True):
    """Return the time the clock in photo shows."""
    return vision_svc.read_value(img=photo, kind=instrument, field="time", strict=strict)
2:52
